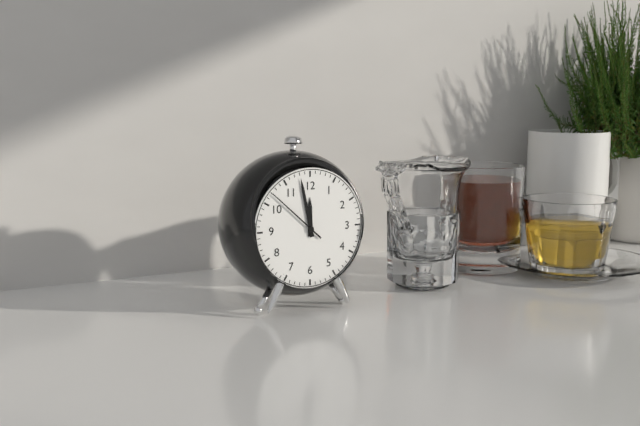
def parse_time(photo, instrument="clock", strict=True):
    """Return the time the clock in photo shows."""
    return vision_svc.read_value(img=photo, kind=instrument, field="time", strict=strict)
11:58:52
